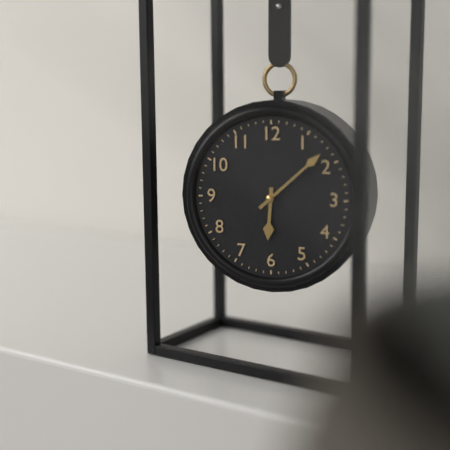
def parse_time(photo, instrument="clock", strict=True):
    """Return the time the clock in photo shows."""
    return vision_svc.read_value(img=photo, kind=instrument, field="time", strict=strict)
6:08
